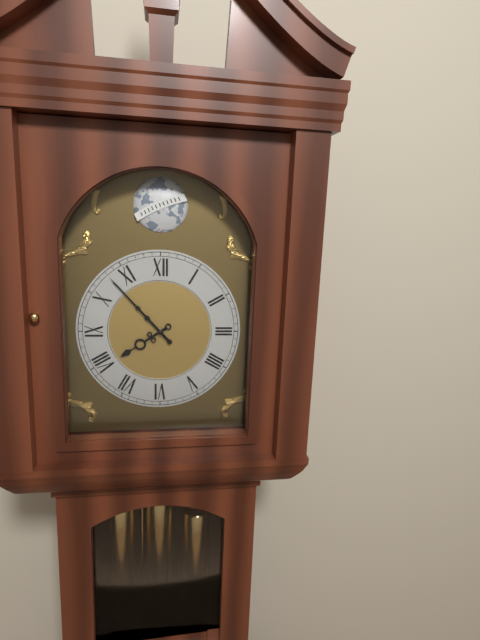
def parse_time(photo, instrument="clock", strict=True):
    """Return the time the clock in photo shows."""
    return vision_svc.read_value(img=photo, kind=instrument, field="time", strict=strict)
7:53
